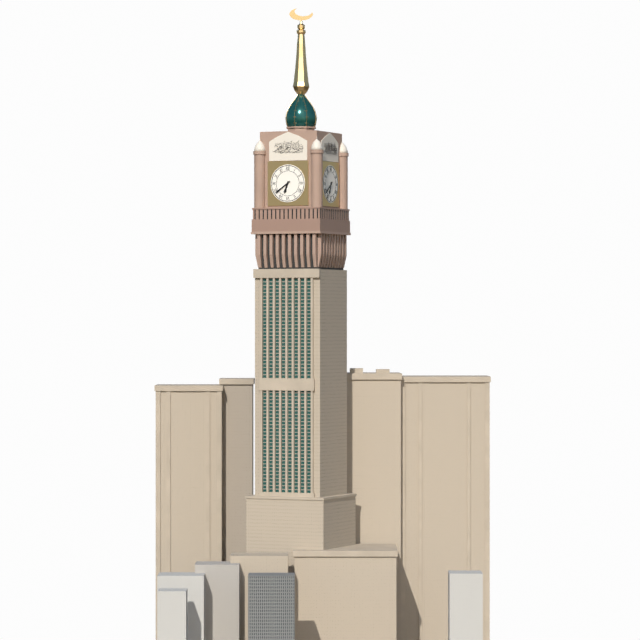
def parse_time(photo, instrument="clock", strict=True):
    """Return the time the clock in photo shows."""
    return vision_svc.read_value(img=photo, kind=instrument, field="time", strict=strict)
6:39
